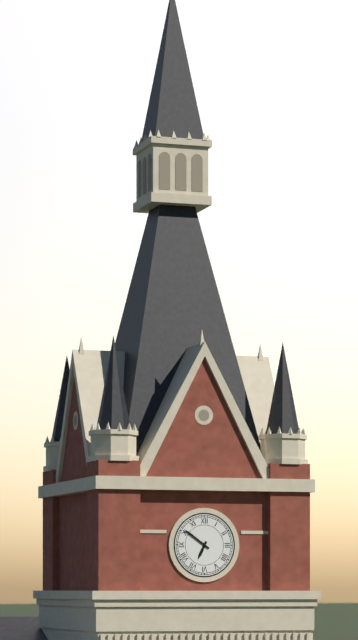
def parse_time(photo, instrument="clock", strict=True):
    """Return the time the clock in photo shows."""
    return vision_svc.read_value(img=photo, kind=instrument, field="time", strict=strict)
6:51
